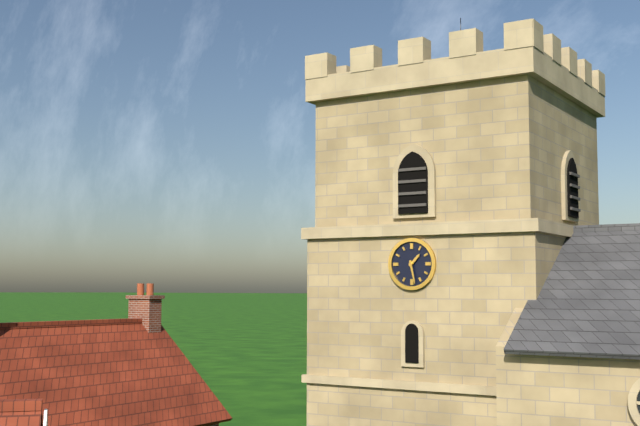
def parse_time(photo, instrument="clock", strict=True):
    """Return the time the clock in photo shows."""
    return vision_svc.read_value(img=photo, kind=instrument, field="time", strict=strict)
1:28
